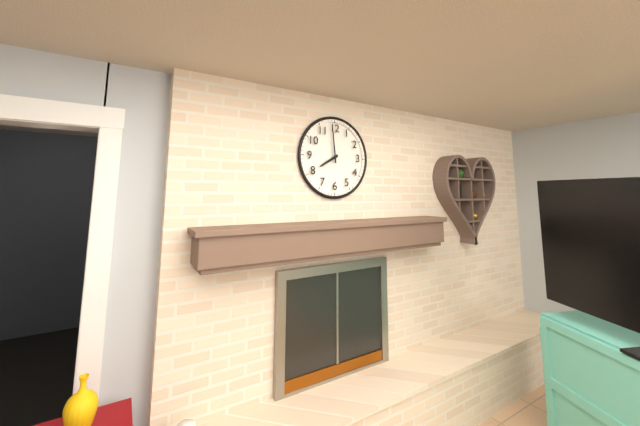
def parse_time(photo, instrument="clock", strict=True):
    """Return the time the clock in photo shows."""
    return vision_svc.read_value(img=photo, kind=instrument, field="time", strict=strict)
7:59
